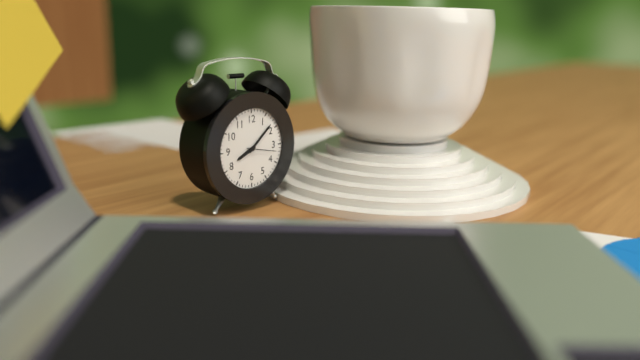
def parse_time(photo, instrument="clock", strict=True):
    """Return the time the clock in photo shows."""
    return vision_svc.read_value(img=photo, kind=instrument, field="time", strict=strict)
8:08
